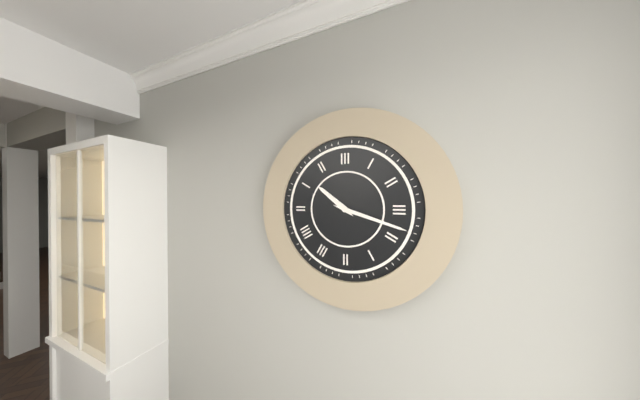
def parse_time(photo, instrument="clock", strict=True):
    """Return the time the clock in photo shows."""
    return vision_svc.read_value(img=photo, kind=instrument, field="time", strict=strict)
10:18
